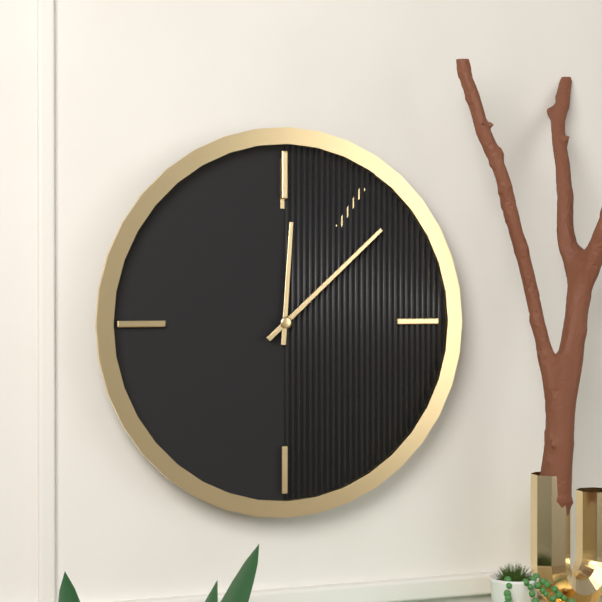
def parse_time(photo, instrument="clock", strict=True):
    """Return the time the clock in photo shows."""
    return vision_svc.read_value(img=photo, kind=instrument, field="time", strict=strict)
12:08
